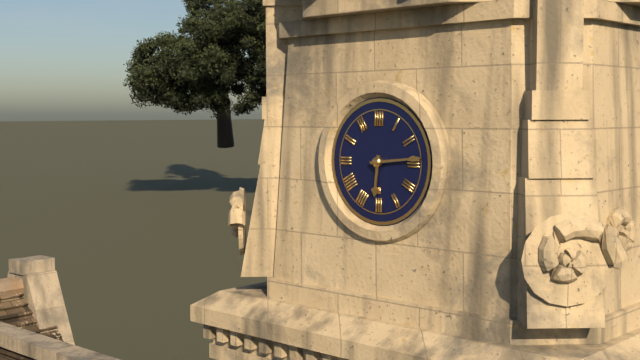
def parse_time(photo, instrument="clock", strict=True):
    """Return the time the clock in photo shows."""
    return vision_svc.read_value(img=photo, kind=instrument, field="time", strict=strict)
6:14
